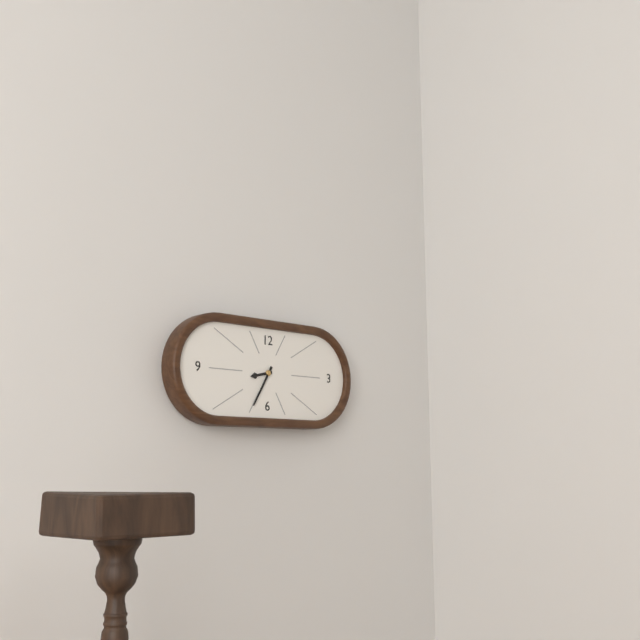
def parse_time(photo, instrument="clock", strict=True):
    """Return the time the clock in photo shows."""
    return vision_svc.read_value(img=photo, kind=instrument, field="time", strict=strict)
8:35
